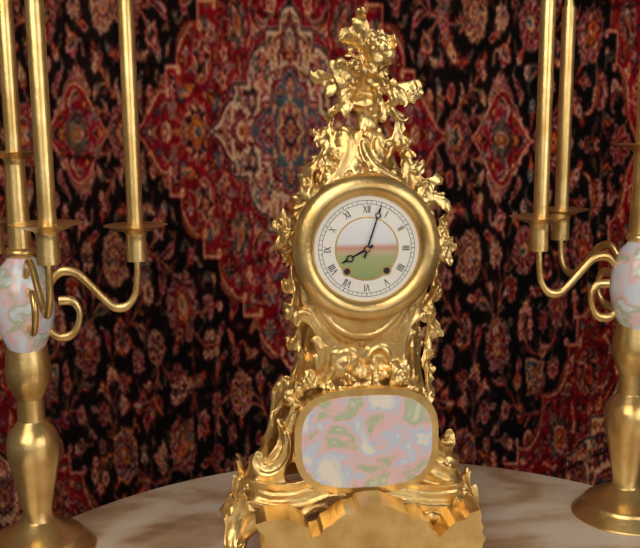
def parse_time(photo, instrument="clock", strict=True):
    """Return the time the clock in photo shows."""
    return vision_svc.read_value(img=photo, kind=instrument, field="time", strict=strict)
8:03
